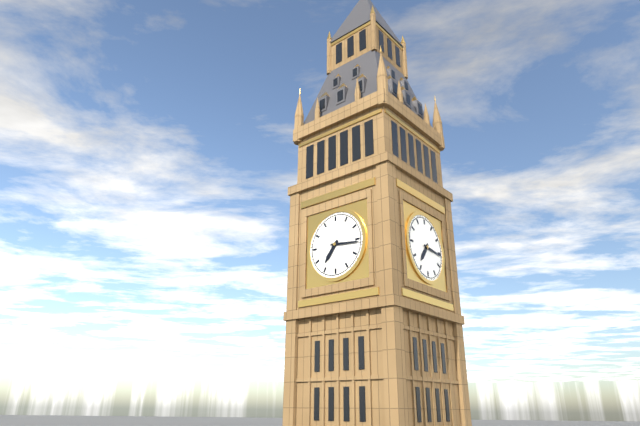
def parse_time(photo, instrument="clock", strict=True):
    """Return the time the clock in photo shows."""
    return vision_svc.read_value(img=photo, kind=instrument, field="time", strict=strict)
7:16
